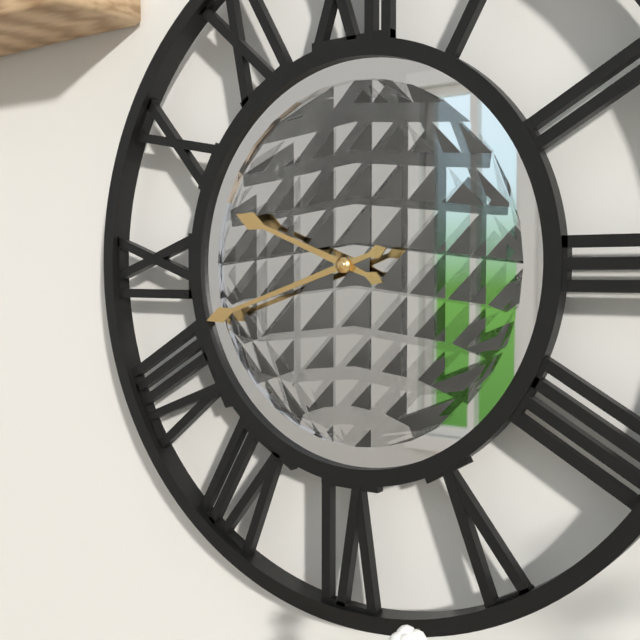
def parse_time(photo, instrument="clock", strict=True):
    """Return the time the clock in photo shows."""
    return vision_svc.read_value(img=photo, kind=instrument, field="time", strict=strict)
9:42
